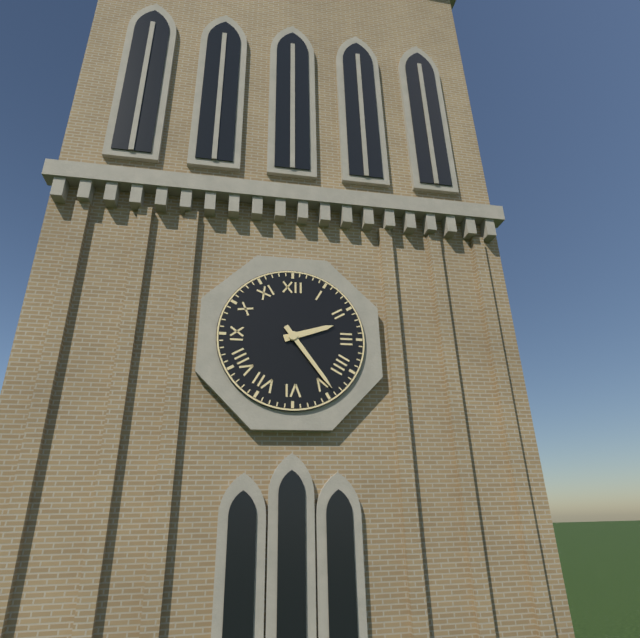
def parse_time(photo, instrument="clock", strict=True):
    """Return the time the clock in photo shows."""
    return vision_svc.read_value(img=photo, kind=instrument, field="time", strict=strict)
2:24
